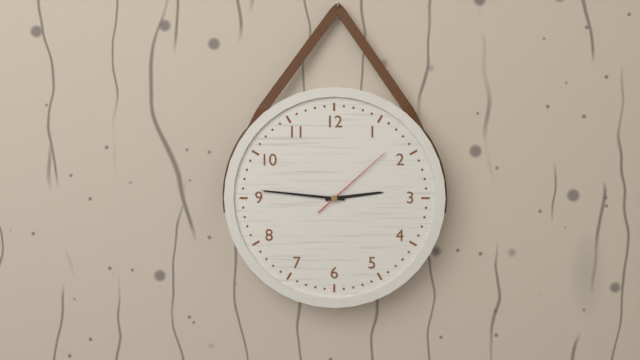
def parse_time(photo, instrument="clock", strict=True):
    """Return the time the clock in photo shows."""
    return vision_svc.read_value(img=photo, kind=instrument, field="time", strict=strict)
2:46:08
